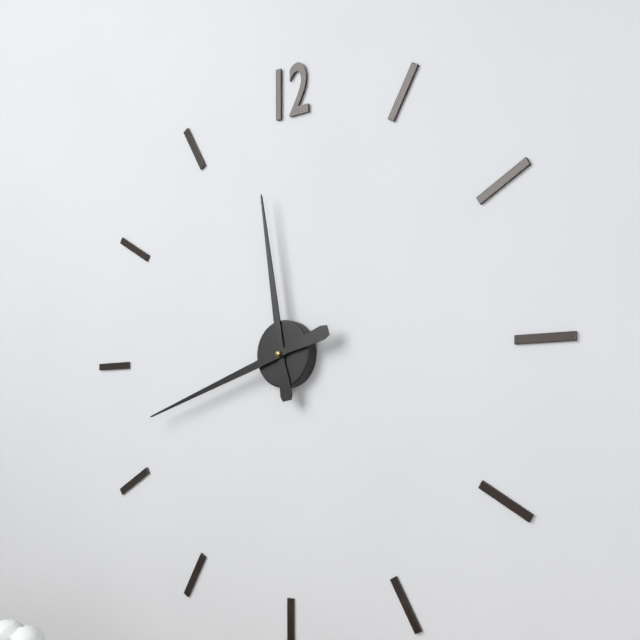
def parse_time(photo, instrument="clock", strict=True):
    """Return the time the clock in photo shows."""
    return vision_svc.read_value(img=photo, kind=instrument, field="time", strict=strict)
11:42
